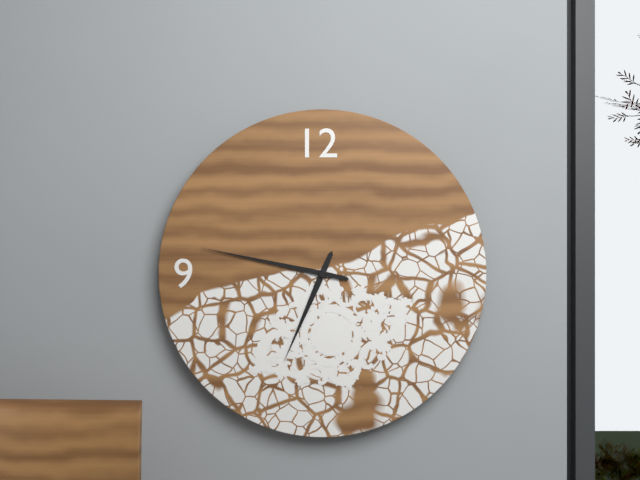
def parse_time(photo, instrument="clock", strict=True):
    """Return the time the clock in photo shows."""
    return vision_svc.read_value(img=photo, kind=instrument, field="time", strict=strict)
6:47
